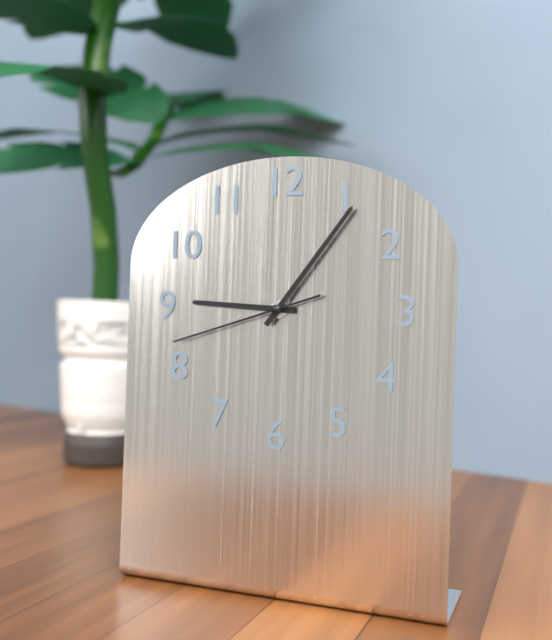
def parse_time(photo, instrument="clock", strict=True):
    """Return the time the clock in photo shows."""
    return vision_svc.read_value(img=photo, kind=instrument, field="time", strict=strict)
9:06:42
